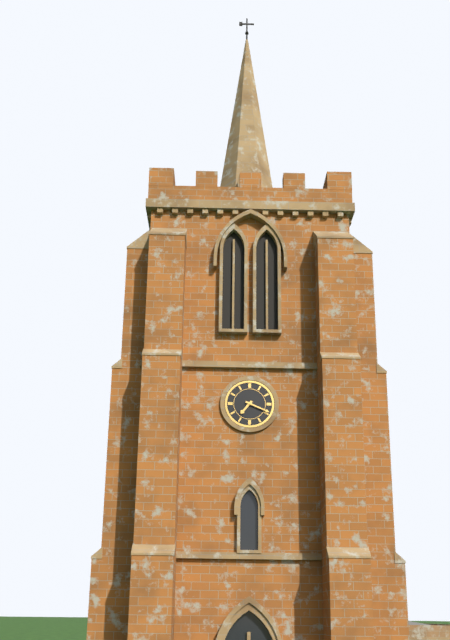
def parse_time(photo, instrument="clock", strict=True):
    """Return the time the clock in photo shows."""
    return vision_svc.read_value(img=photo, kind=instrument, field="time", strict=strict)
7:19
